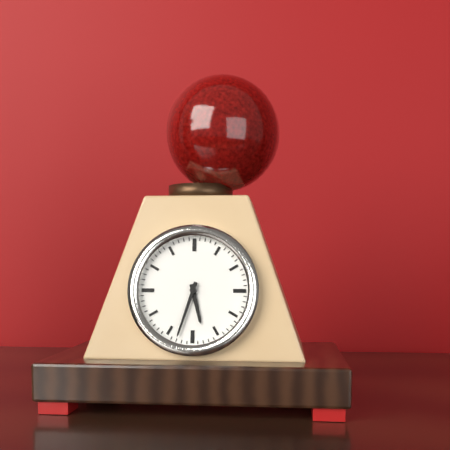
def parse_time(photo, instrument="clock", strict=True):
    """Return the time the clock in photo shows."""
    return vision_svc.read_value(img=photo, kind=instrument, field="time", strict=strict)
5:33
